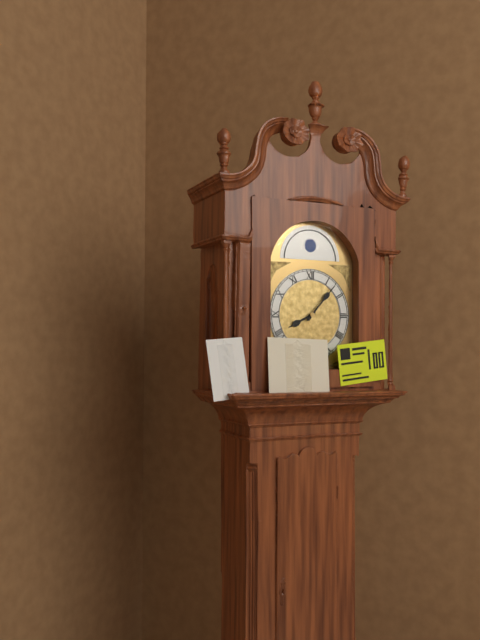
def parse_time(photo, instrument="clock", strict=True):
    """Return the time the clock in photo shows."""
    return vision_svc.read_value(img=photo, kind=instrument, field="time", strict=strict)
8:07
